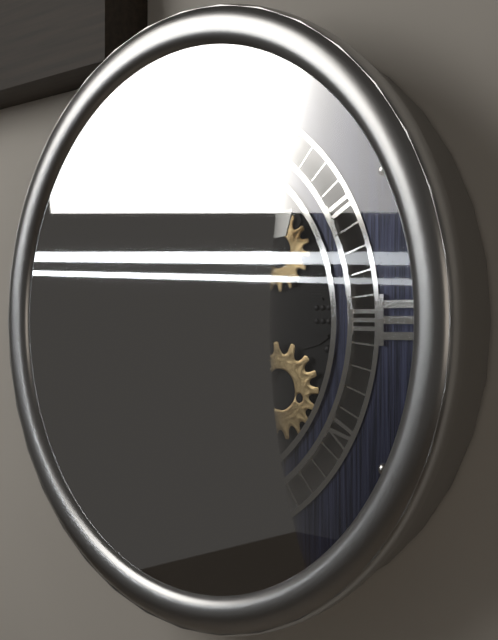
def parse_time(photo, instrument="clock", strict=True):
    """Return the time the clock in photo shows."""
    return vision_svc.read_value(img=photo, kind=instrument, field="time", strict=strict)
1:40
